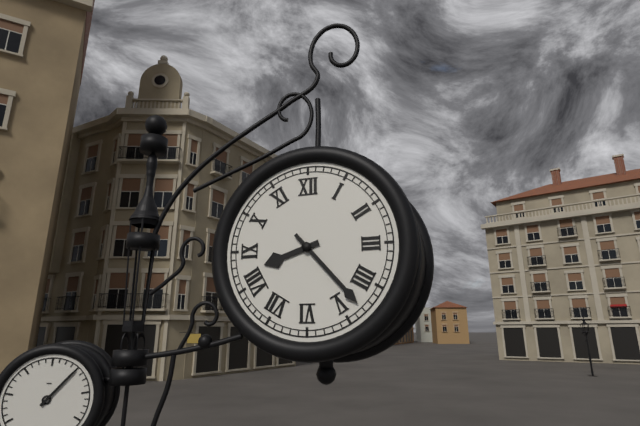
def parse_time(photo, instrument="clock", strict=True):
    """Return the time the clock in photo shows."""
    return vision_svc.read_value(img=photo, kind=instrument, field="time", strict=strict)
8:23
